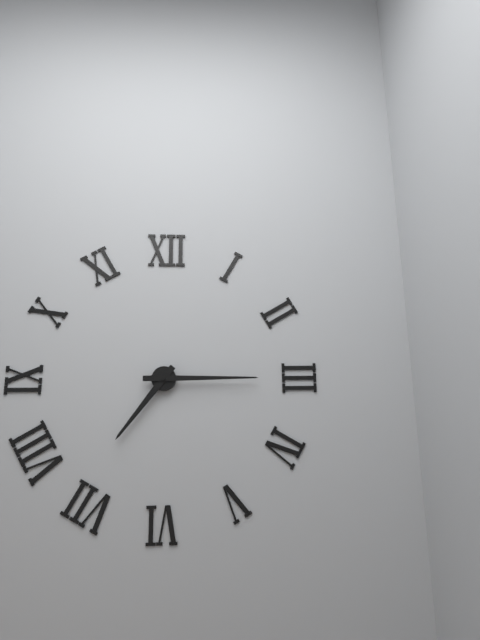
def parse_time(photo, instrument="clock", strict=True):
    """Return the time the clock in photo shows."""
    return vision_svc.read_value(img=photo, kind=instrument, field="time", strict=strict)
7:15
